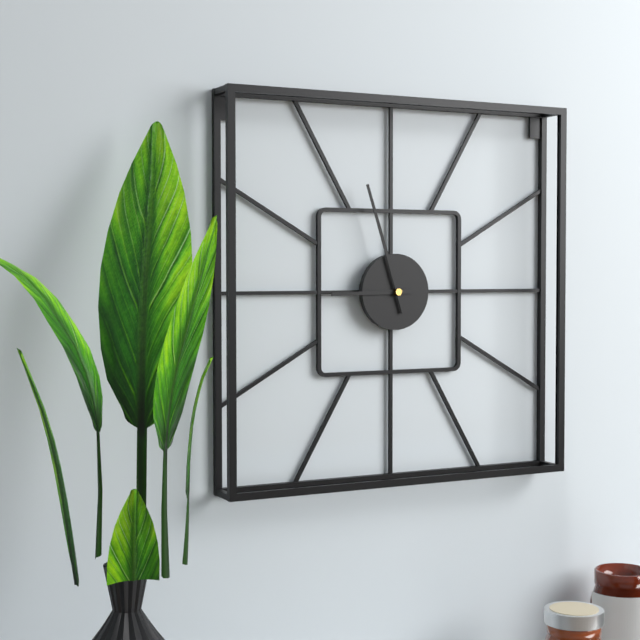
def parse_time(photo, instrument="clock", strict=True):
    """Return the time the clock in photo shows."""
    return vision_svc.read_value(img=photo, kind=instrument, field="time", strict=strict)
8:57
